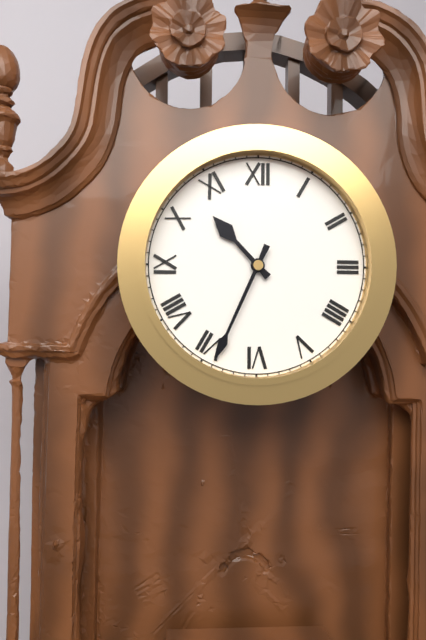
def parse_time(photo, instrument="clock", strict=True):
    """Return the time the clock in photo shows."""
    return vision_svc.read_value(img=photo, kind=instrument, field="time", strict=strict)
10:34
